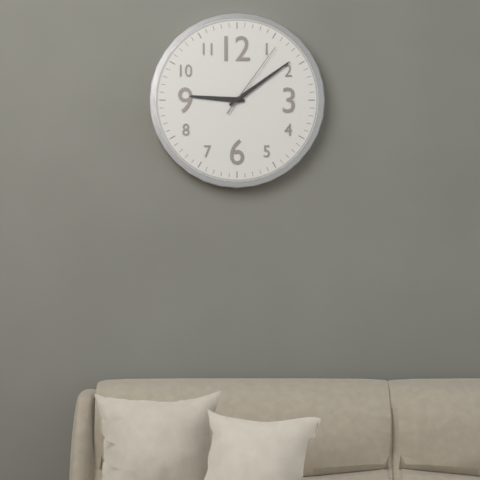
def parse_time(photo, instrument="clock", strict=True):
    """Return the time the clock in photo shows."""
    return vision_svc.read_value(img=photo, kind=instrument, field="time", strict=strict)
9:09:06
